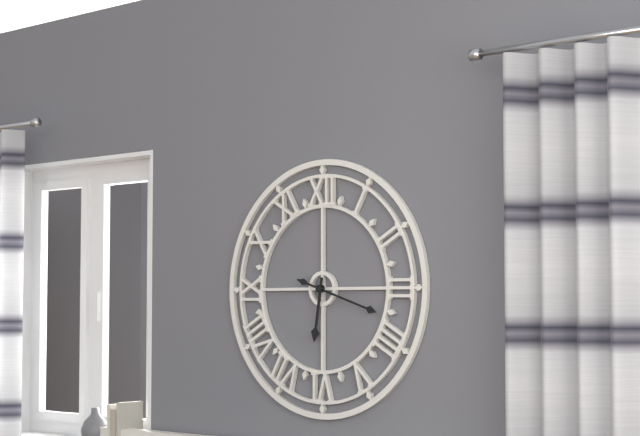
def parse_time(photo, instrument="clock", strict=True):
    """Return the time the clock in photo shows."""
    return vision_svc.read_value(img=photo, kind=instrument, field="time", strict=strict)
6:18
